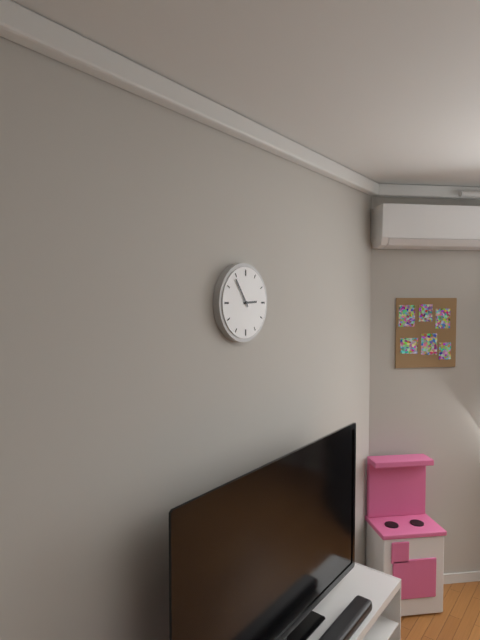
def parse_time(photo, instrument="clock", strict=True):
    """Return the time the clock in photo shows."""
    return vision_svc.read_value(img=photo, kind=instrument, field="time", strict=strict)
2:54
